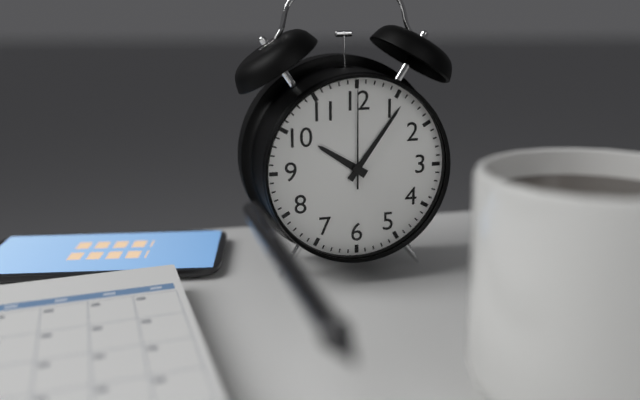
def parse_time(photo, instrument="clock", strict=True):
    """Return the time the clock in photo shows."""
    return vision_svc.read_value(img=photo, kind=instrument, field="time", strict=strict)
10:06:00
